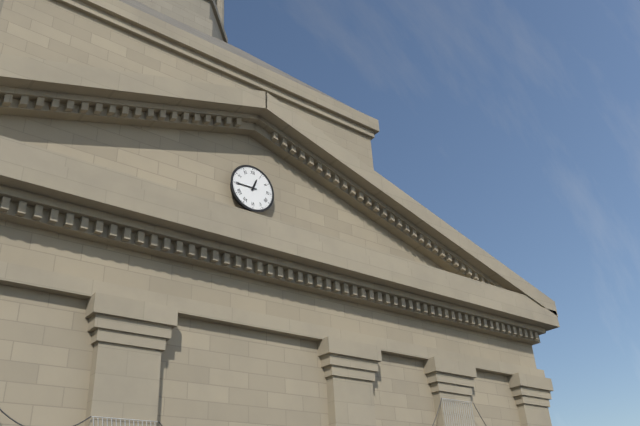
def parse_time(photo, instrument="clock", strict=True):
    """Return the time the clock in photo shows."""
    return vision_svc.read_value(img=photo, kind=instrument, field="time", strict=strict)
12:45
